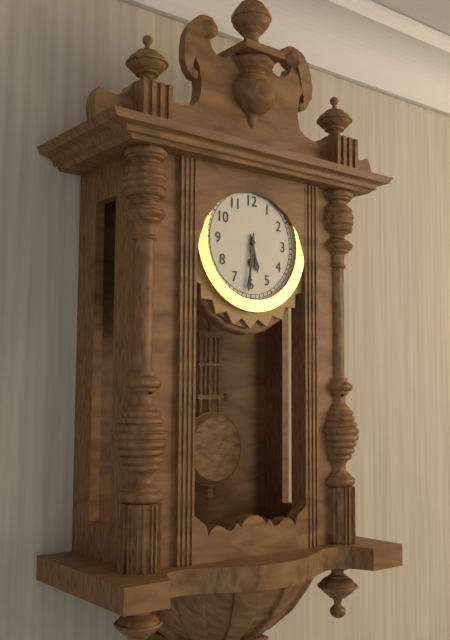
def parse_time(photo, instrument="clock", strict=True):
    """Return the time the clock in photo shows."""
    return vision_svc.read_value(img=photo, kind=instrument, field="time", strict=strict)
5:31
